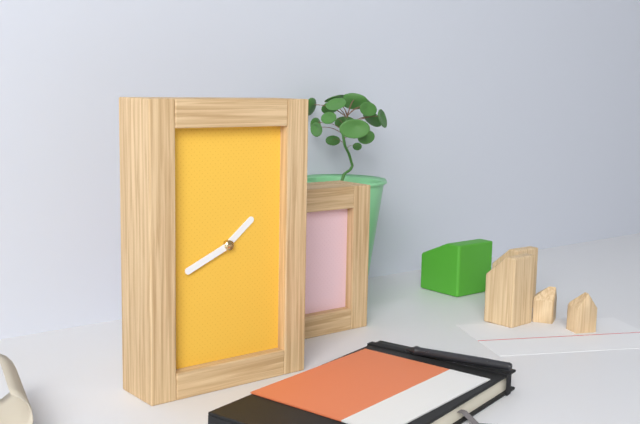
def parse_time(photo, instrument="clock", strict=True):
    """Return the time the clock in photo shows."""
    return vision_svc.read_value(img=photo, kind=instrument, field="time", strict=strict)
1:41
